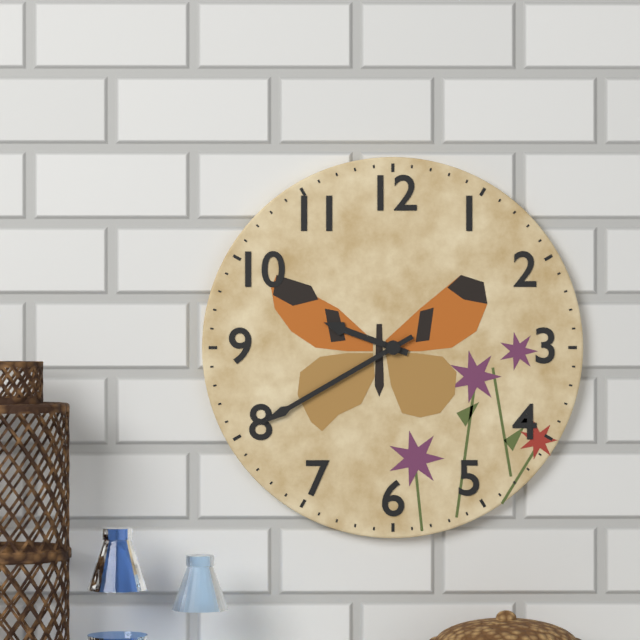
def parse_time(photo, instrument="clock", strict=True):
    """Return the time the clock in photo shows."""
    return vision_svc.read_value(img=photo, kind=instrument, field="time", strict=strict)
9:40
